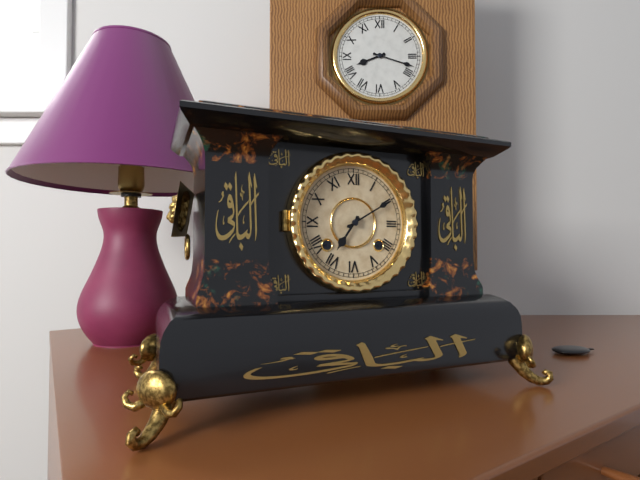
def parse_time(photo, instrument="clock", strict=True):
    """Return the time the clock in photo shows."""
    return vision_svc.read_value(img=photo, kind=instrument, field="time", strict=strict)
7:10
